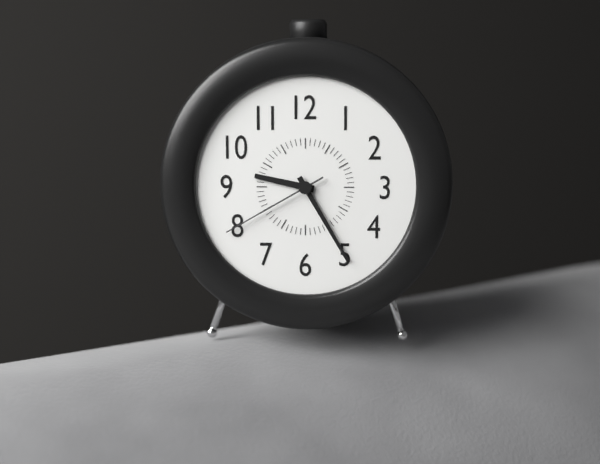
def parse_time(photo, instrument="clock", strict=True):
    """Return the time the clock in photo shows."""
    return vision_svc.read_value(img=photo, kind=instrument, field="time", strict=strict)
9:25:40
